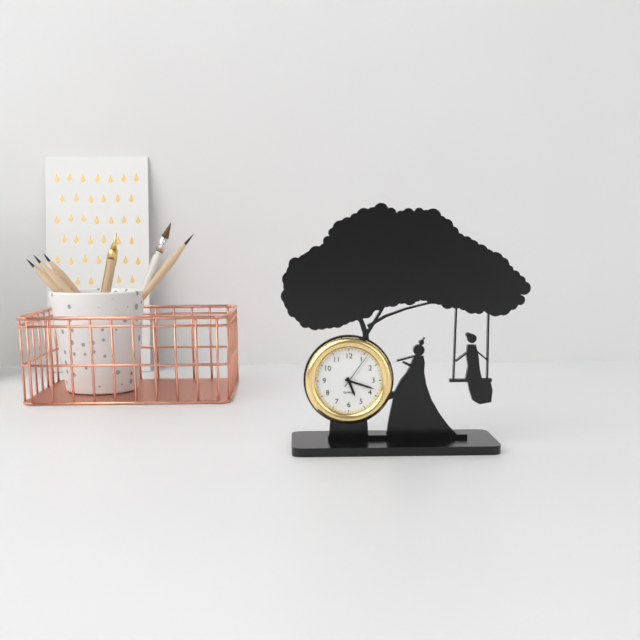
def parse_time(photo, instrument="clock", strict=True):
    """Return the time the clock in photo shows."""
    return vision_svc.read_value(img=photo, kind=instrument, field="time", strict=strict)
5:18
